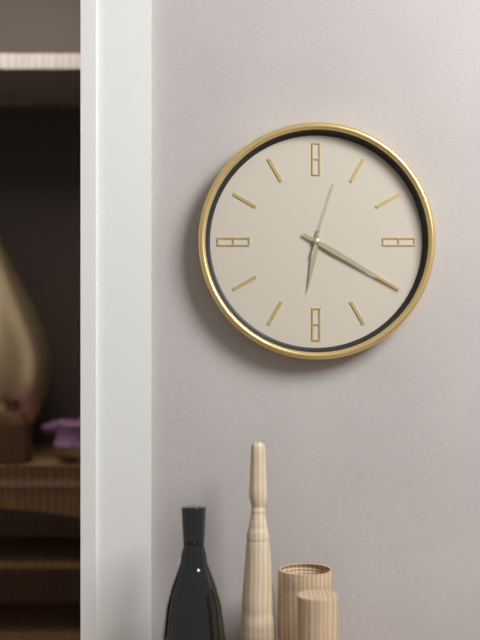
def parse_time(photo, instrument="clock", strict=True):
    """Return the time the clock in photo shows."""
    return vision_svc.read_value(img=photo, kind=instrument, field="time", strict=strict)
6:20:03
